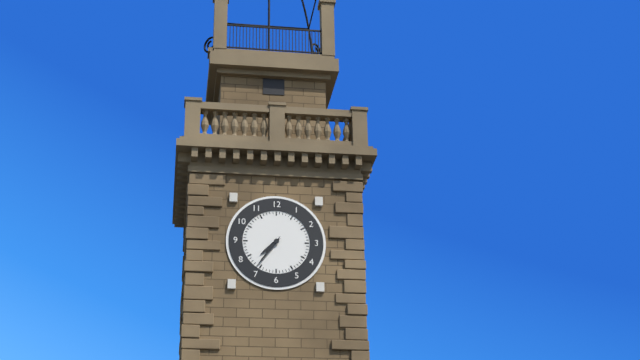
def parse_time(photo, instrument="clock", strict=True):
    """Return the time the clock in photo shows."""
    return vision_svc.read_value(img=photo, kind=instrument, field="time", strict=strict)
7:36
